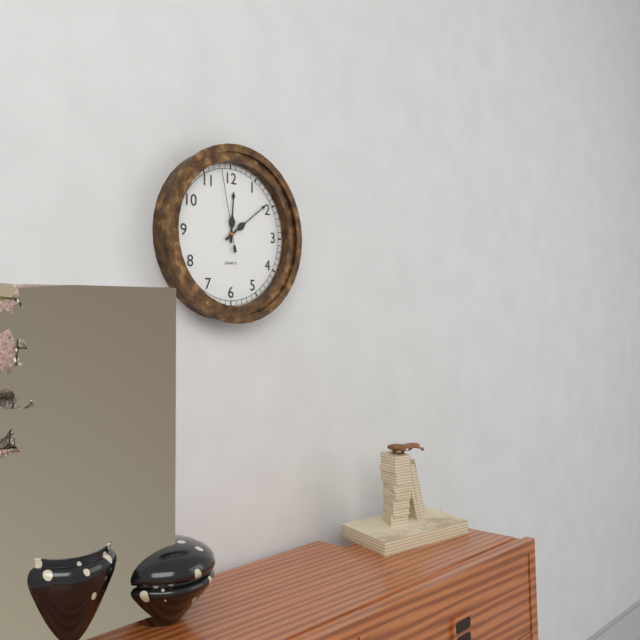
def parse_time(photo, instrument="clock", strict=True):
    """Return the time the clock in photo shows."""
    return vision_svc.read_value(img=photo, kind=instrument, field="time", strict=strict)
12:09:58
